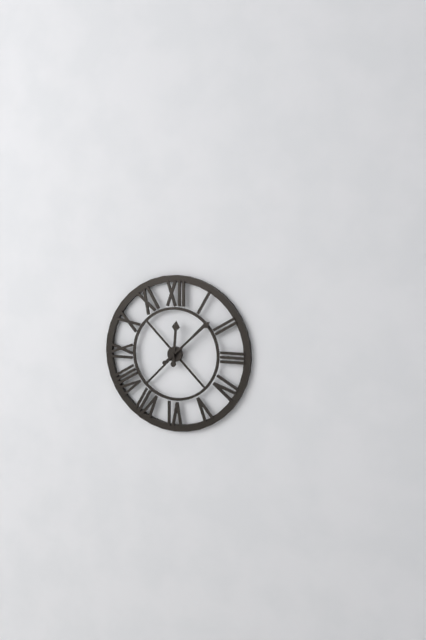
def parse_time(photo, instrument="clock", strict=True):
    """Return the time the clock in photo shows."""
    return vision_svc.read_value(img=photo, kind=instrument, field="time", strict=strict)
12:08
